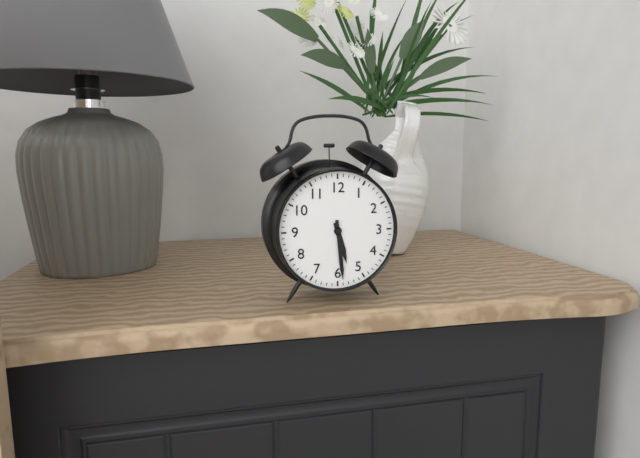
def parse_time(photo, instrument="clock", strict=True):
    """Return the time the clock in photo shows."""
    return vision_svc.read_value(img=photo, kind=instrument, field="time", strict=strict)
5:29
